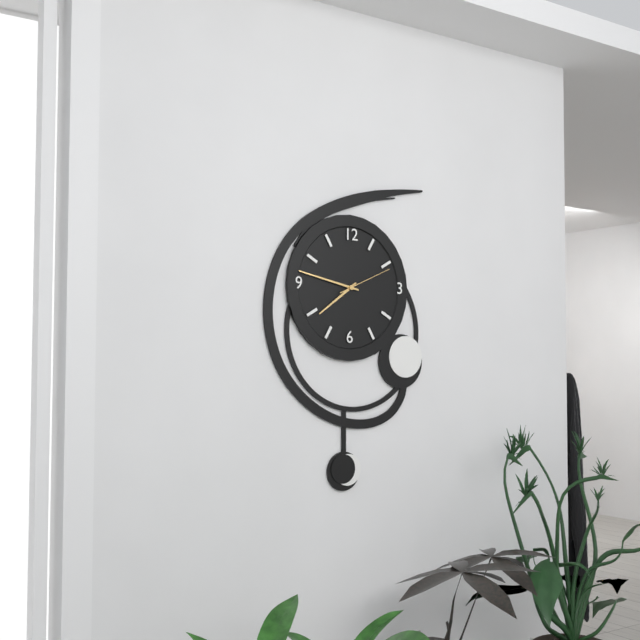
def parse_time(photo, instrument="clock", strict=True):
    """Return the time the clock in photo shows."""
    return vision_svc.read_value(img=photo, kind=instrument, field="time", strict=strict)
7:47:11
